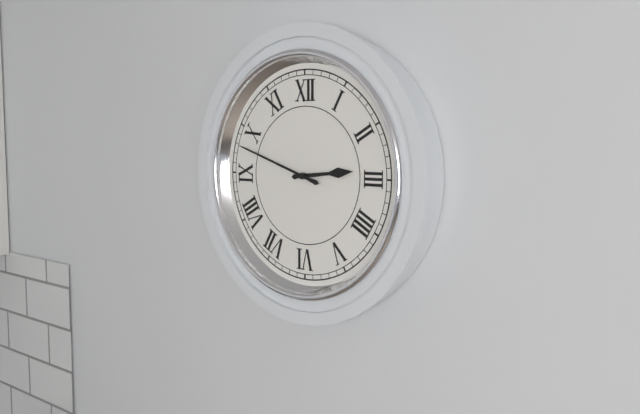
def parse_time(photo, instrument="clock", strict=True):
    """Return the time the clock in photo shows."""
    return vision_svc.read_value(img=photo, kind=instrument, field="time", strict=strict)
2:48
